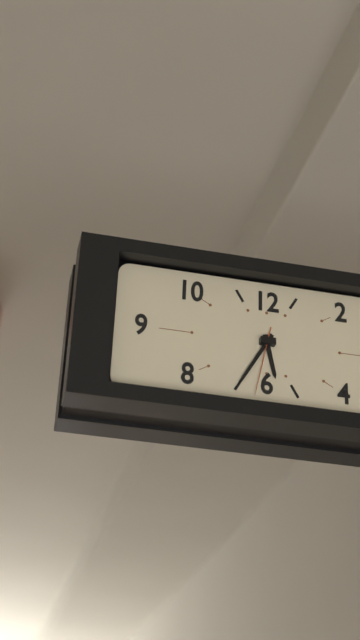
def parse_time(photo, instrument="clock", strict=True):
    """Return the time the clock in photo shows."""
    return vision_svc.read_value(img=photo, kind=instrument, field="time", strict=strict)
5:35:32
